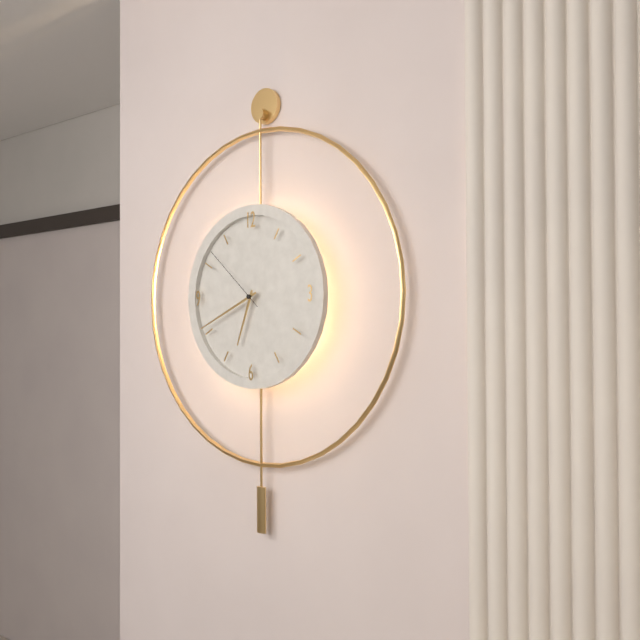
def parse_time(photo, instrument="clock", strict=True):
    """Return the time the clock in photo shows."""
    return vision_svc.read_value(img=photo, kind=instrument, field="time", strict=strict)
6:41:52
